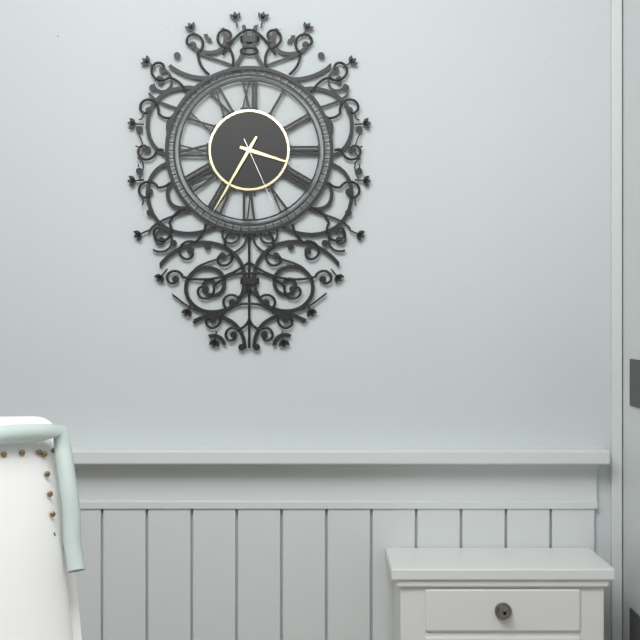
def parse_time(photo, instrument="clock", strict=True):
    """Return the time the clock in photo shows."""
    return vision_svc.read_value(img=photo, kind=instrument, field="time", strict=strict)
3:35:26
